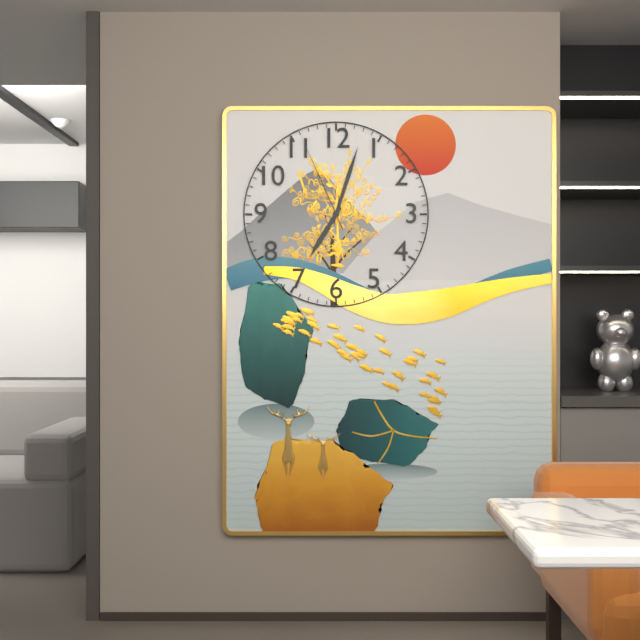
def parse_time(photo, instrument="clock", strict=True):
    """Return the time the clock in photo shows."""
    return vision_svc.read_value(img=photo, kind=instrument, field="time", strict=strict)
7:03:56
